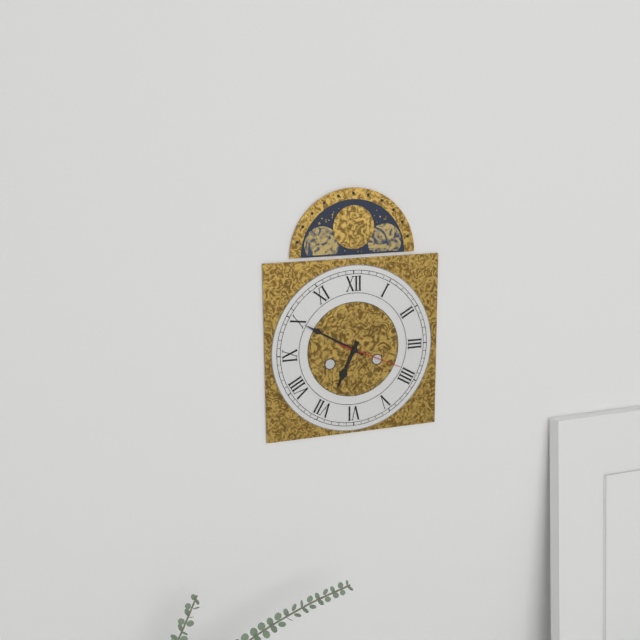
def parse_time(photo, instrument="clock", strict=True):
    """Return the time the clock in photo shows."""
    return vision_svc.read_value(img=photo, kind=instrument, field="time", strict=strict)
6:50:19
